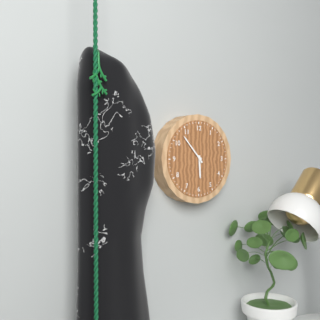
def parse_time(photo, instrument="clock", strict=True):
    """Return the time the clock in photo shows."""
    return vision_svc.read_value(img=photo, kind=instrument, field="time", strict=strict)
5:53
